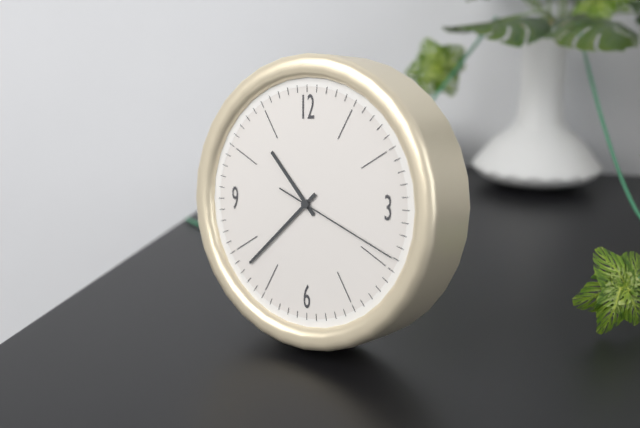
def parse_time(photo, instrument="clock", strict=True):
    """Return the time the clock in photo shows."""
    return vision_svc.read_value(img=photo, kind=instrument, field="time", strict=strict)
10:38:19
